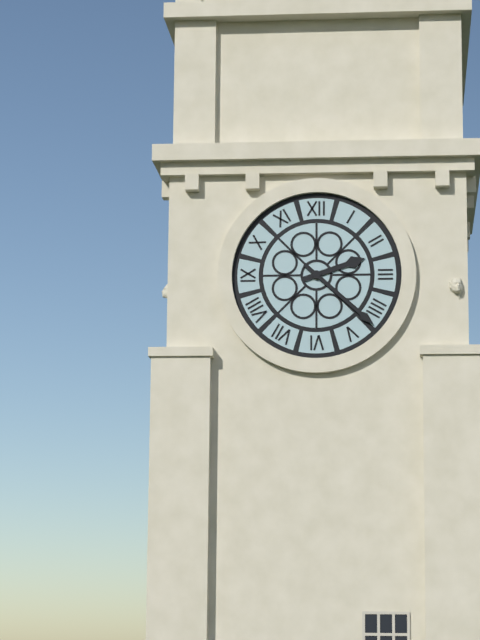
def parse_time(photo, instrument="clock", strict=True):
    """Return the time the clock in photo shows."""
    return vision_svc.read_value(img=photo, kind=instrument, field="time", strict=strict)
2:22
